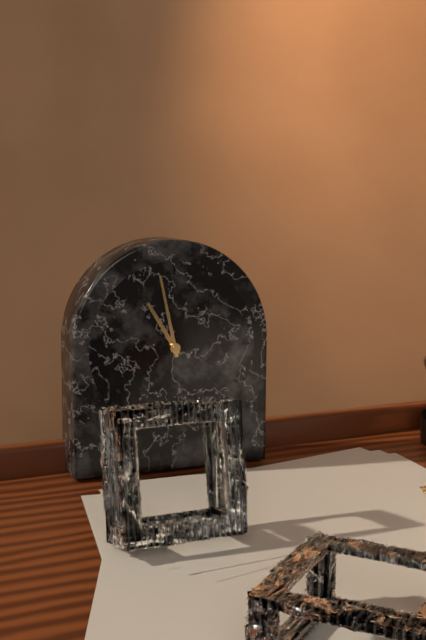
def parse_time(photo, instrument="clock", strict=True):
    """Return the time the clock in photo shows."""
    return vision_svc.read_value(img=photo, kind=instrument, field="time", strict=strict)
10:58
